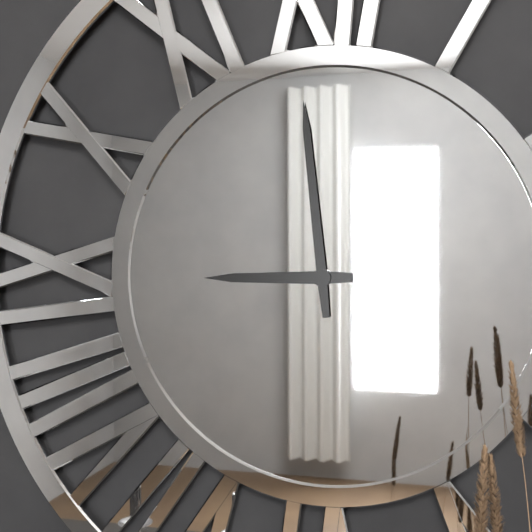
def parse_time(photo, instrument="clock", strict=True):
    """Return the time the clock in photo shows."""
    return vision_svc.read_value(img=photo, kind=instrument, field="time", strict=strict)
8:59
